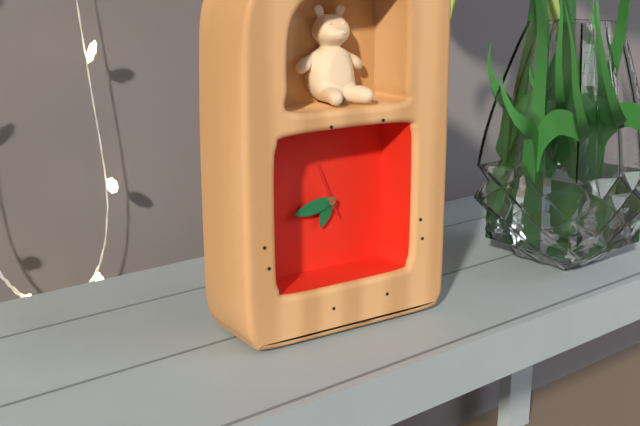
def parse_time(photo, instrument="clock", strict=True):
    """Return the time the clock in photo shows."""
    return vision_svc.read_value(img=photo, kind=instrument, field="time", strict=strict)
6:43:56
